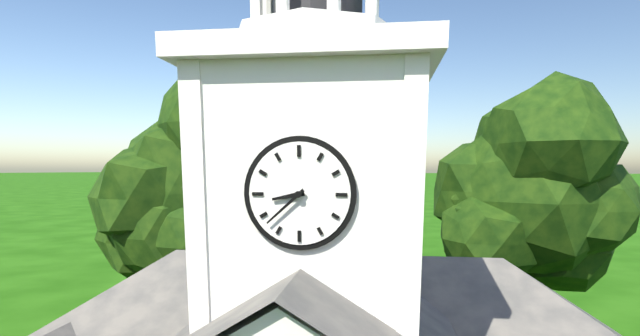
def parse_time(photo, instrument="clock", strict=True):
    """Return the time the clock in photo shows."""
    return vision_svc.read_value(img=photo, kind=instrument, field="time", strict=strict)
8:38
